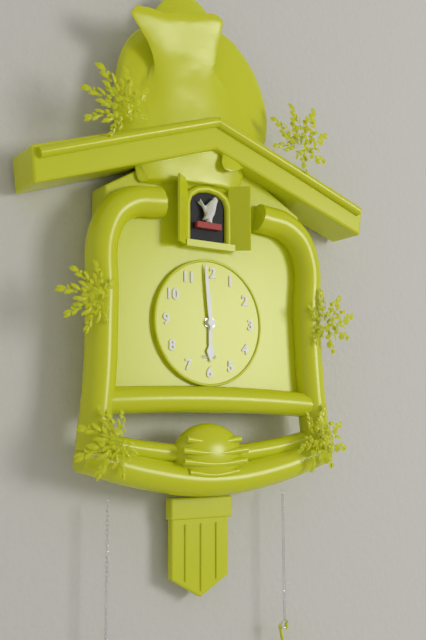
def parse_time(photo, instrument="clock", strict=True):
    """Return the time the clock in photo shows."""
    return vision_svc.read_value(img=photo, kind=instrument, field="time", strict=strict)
5:59
